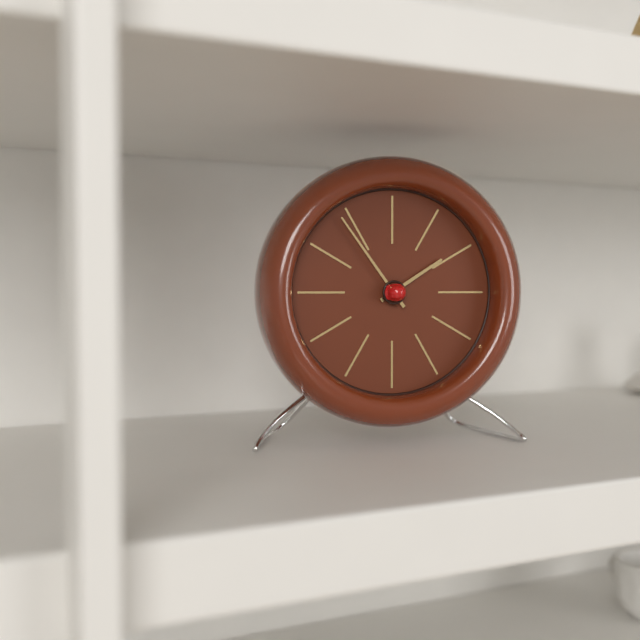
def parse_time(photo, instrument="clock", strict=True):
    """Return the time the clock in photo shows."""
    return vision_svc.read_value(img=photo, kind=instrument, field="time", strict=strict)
1:54
